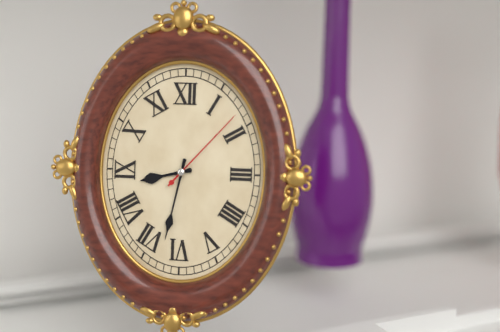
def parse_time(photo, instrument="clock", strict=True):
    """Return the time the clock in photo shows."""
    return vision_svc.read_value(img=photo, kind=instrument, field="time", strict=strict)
8:32:07
